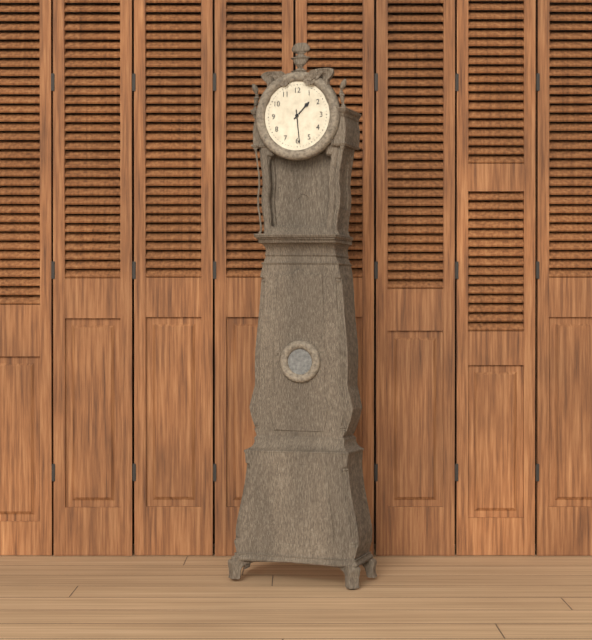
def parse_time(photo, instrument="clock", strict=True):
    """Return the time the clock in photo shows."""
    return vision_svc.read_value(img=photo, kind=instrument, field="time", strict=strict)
1:29
